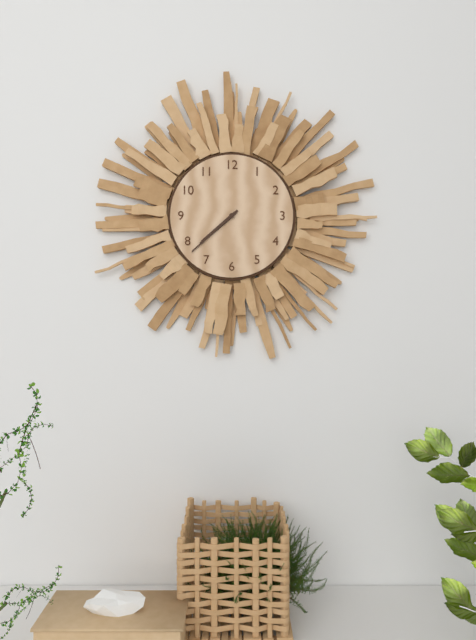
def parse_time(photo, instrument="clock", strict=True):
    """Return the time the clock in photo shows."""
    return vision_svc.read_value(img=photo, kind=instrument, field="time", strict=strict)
7:38
